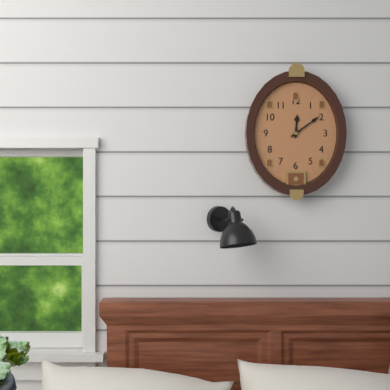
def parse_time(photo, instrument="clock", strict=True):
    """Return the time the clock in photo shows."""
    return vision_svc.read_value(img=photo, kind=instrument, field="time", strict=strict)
12:09
